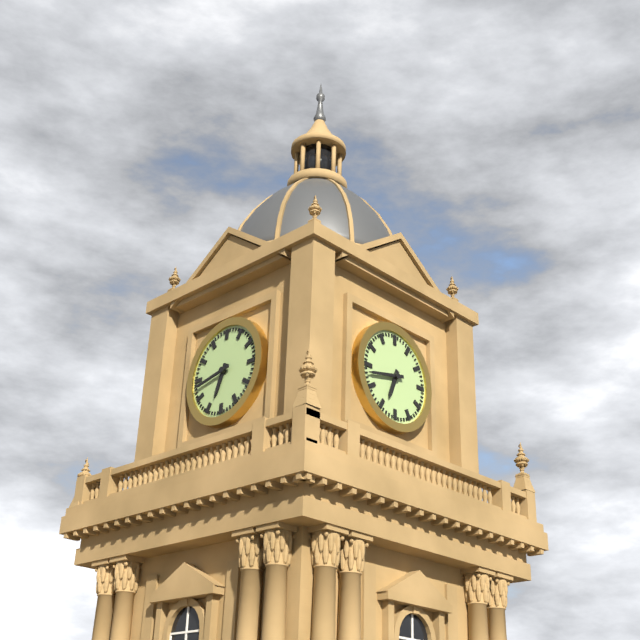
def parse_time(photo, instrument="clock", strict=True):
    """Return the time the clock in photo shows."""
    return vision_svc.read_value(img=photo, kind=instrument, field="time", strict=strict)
6:43
